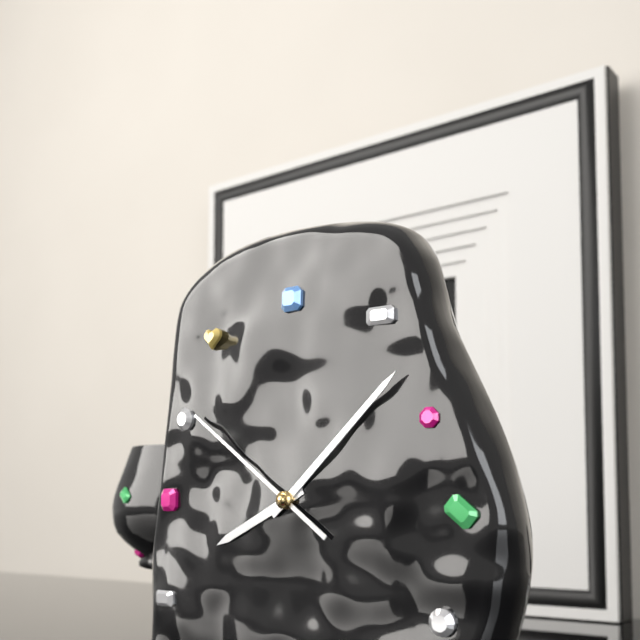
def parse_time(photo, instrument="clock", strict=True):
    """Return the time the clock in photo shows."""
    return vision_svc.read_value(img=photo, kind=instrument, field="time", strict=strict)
8:08:51
